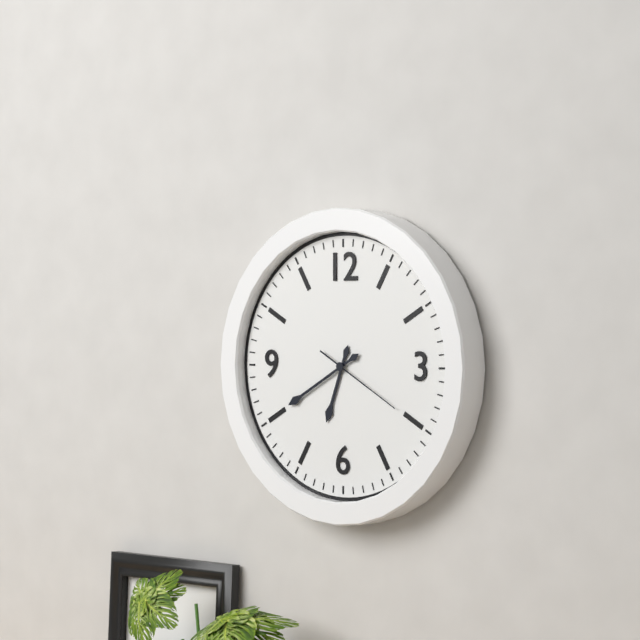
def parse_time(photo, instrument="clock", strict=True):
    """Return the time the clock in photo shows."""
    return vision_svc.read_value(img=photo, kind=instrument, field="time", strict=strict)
6:40:20
